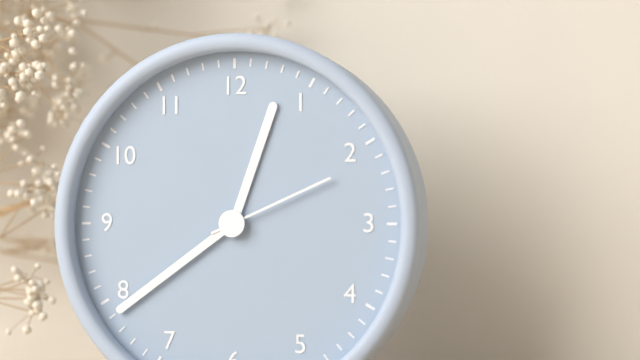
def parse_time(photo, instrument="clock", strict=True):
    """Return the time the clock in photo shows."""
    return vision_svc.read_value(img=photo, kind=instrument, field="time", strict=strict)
12:39:11
